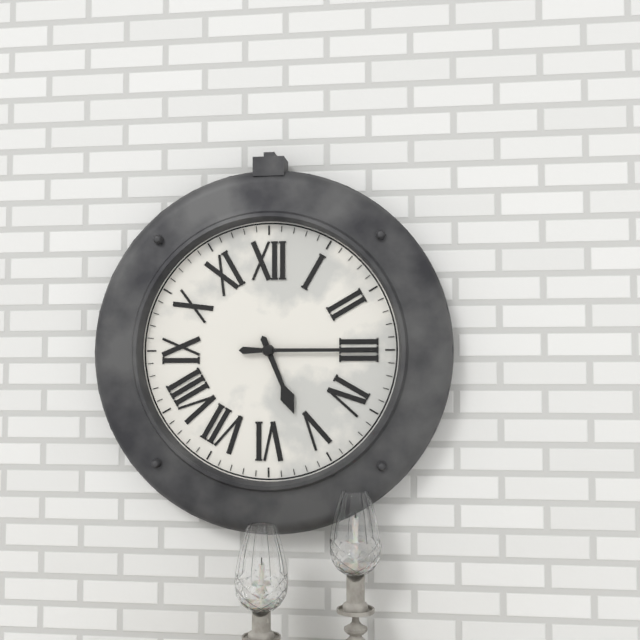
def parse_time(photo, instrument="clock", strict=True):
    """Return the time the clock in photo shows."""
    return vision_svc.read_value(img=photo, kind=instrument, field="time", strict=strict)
5:15
